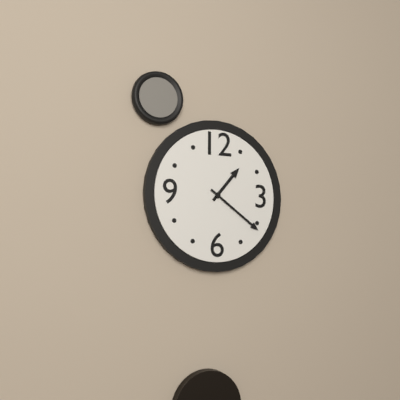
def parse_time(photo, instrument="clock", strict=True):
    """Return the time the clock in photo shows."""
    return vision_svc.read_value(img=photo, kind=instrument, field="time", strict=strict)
1:21
